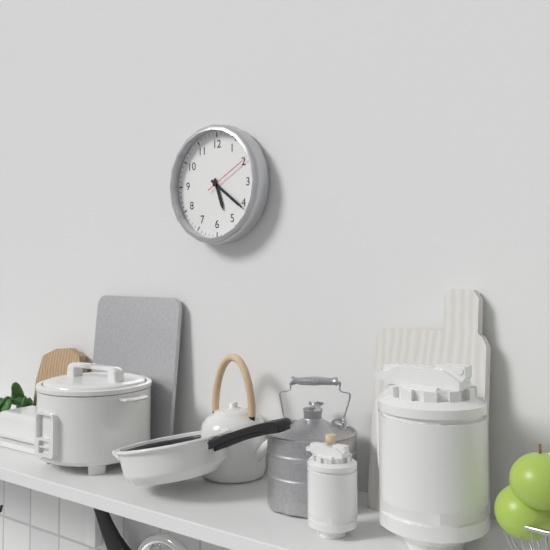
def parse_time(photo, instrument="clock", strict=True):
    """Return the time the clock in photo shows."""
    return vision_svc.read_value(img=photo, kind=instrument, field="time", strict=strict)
5:21:10
